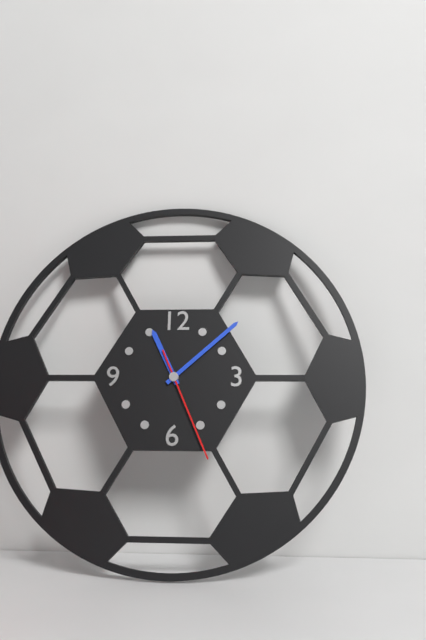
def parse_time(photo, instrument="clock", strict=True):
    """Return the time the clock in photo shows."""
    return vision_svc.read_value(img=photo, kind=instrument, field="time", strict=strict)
11:08:26
